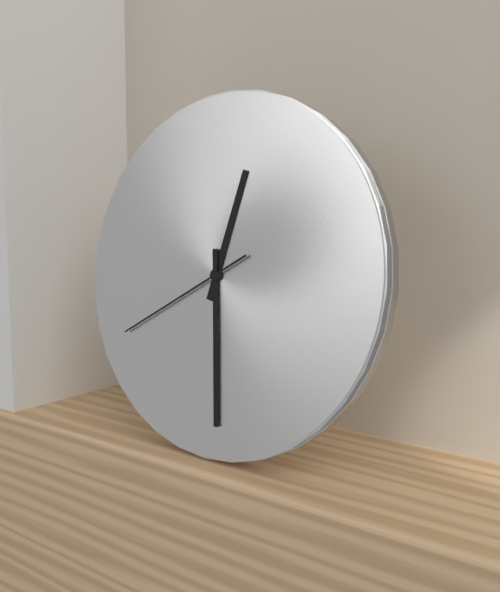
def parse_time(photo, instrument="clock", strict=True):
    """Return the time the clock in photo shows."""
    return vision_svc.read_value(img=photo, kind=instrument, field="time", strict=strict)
12:29:40
